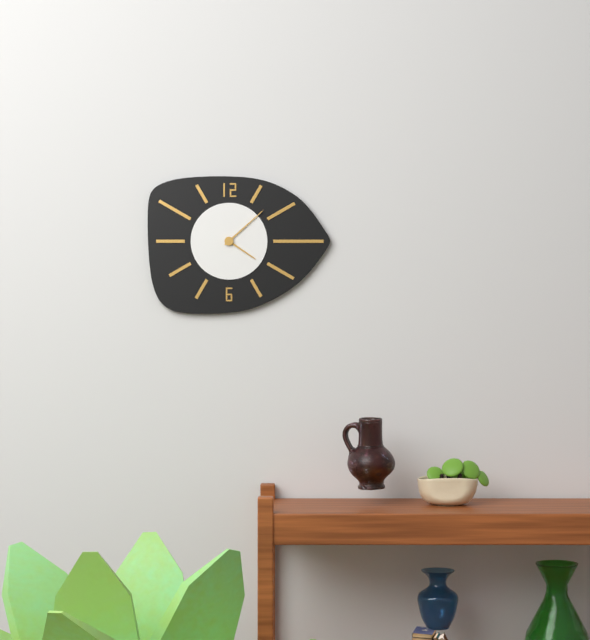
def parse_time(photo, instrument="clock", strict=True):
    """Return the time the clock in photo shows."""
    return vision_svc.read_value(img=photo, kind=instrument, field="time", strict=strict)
4:08
